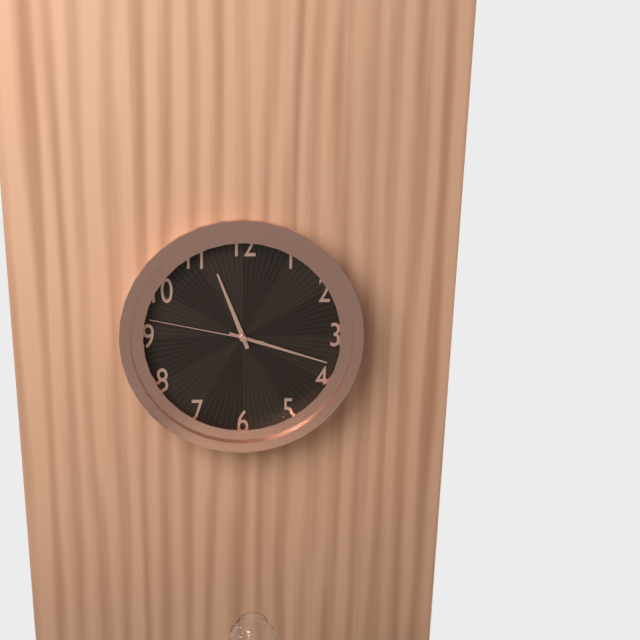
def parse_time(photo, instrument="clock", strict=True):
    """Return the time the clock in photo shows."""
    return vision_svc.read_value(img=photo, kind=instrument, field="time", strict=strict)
11:18:47
